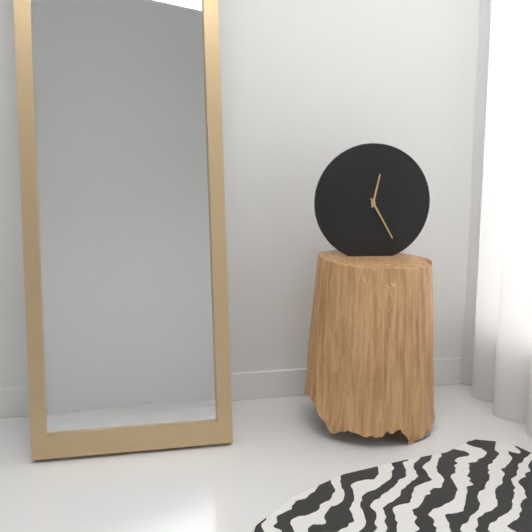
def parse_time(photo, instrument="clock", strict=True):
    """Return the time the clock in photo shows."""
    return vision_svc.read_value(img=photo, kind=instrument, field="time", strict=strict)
12:25
